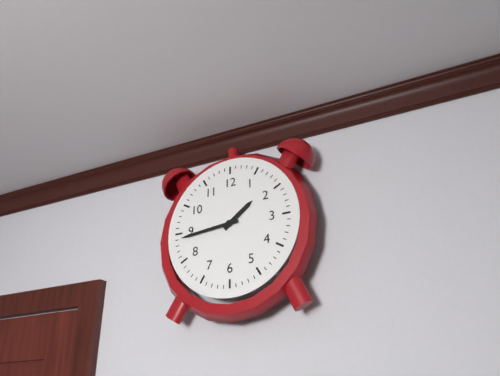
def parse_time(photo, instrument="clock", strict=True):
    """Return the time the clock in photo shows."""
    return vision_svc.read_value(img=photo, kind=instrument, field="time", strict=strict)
1:44
